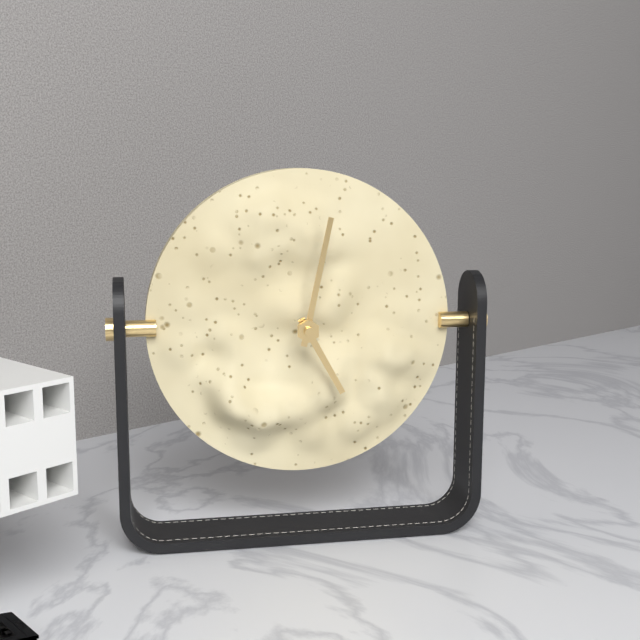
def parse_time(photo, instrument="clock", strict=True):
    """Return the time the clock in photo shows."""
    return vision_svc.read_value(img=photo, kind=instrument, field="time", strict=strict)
5:02
